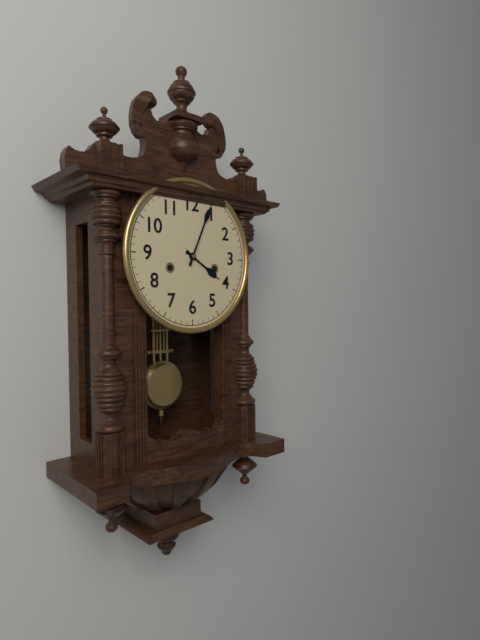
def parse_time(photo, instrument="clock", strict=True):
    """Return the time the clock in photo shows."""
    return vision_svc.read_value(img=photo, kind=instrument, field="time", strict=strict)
4:04
